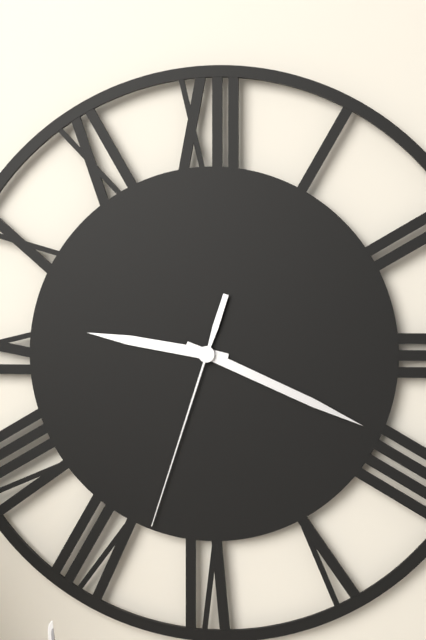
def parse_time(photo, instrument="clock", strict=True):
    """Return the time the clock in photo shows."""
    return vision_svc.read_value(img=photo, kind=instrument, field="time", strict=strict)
9:19:33
